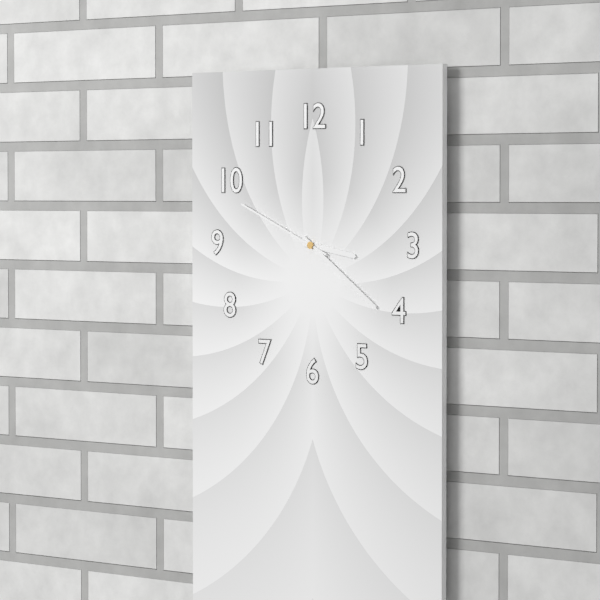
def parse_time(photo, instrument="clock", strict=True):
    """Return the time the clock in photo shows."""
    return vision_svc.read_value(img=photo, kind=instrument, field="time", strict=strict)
3:21:49
